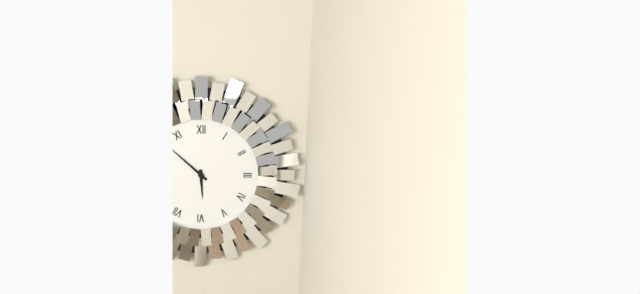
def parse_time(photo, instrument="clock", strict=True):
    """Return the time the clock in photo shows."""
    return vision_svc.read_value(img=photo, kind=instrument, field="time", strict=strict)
5:52
